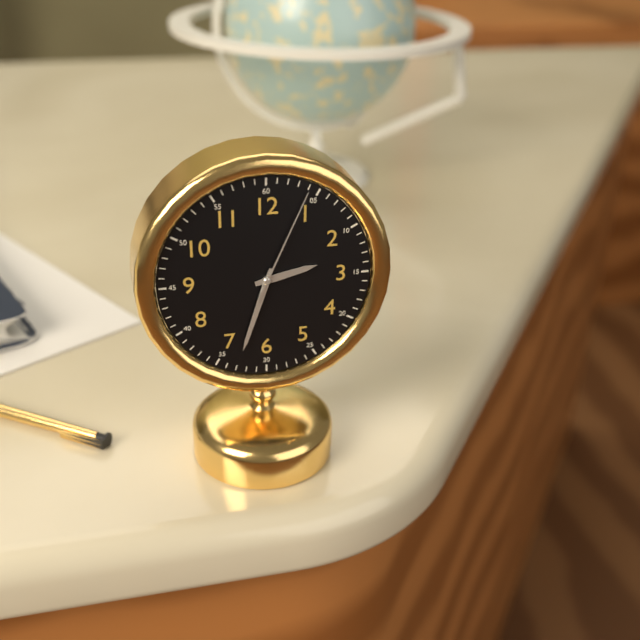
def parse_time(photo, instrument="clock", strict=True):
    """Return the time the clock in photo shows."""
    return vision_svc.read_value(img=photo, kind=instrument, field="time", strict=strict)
2:33:04
